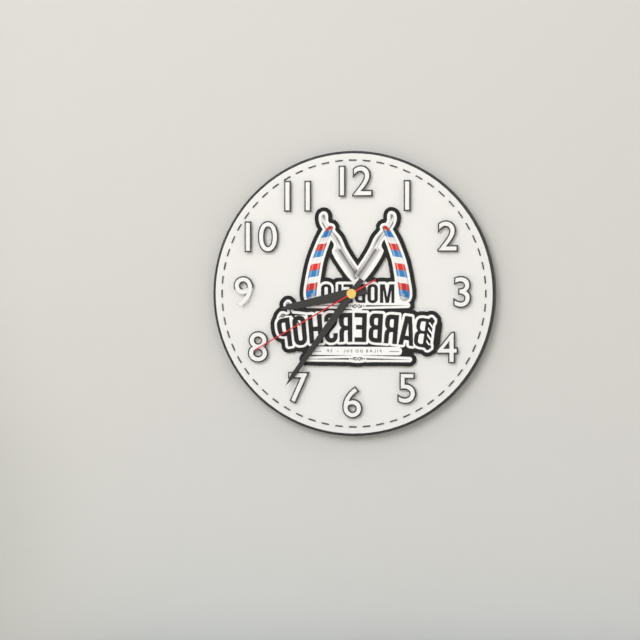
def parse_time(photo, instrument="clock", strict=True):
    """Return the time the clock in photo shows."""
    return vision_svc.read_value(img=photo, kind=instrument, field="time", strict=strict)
8:36:40
